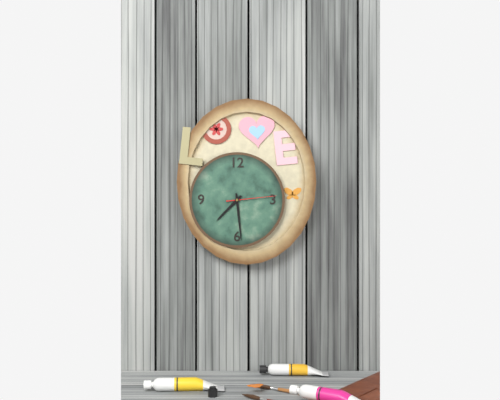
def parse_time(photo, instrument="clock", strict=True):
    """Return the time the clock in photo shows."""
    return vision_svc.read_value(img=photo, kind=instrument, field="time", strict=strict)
7:29:14
